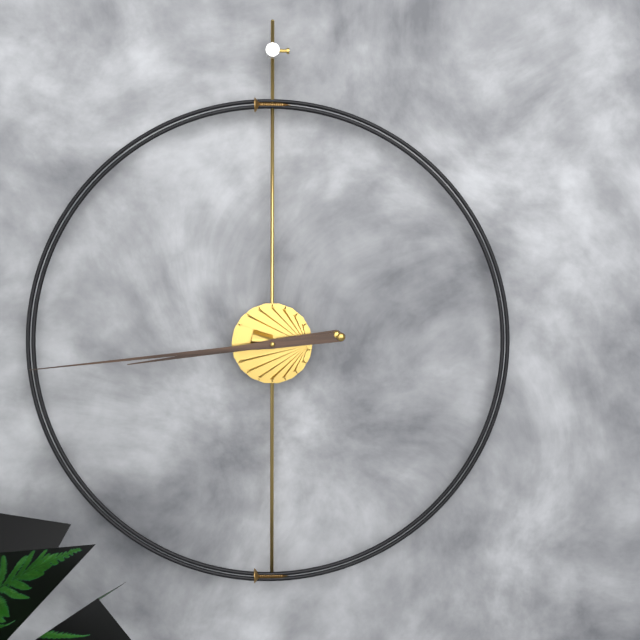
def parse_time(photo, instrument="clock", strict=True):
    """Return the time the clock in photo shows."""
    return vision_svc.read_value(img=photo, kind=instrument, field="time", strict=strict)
8:44
